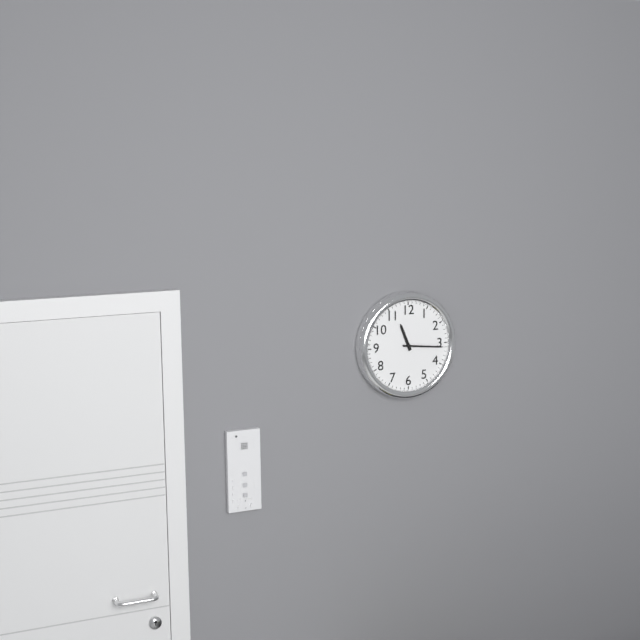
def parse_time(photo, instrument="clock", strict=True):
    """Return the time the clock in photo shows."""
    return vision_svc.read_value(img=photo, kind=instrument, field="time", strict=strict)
11:16
